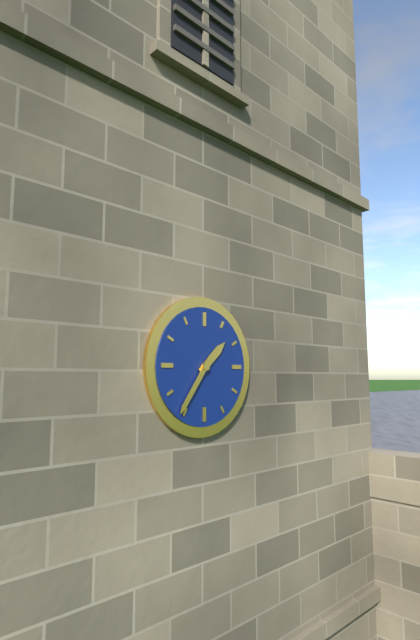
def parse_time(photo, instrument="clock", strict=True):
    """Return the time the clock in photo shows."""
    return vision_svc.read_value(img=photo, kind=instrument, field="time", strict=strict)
1:36
